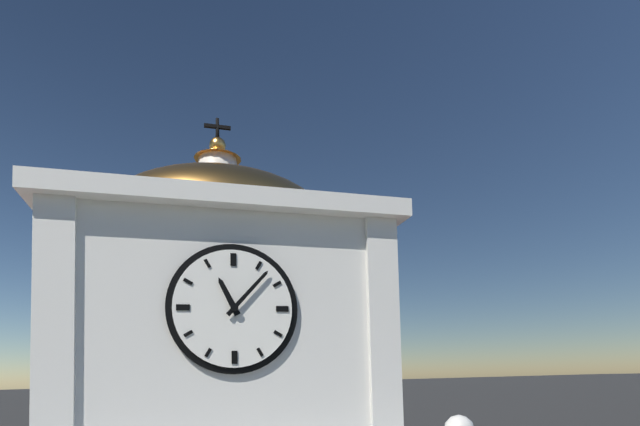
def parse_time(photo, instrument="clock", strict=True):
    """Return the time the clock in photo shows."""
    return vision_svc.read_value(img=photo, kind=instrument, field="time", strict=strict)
11:07
